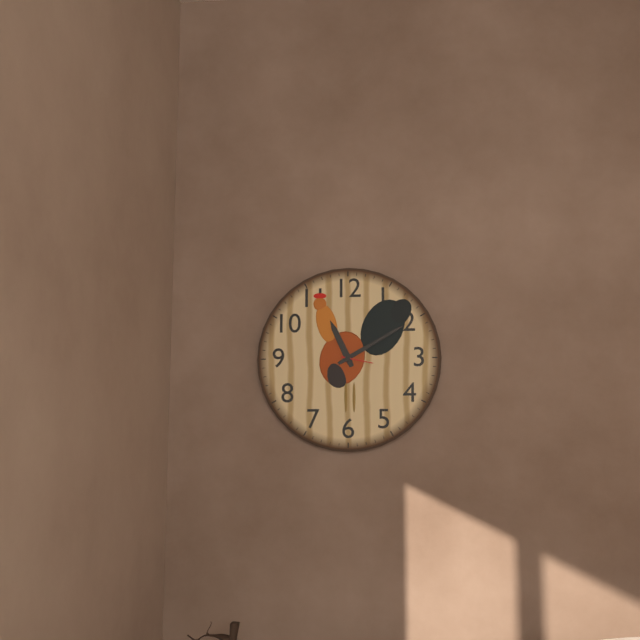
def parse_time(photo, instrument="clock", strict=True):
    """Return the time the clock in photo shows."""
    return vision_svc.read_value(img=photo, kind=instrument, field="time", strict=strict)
11:10
